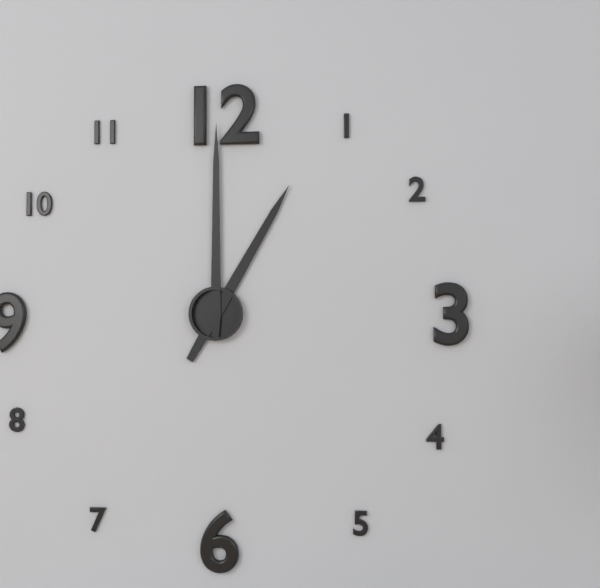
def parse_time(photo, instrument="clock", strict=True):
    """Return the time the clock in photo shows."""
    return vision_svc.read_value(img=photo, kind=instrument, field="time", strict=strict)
1:00
